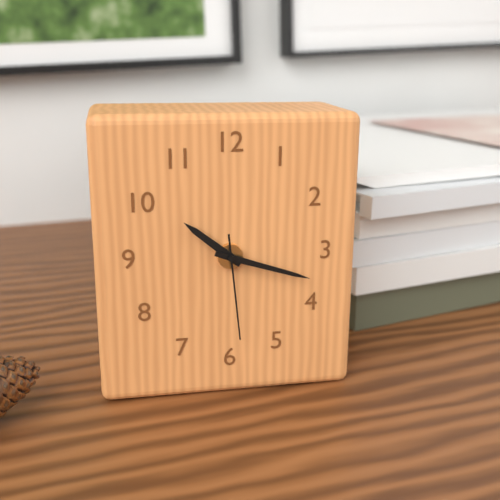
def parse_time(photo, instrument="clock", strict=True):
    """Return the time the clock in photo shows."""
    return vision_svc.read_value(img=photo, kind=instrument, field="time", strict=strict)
10:18:29
